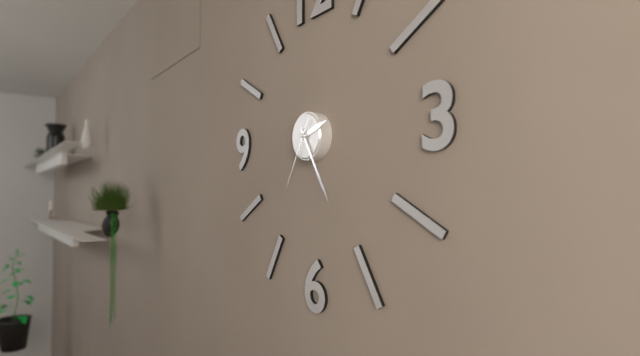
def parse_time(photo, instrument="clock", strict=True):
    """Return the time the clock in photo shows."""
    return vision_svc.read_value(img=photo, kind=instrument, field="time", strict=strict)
2:25:35
